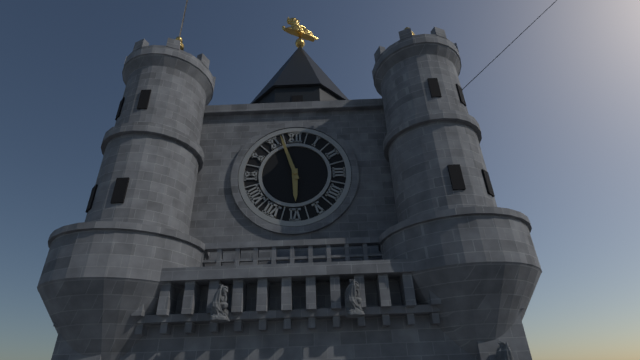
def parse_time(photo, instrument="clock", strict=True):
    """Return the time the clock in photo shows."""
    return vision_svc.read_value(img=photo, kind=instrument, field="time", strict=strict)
5:57
